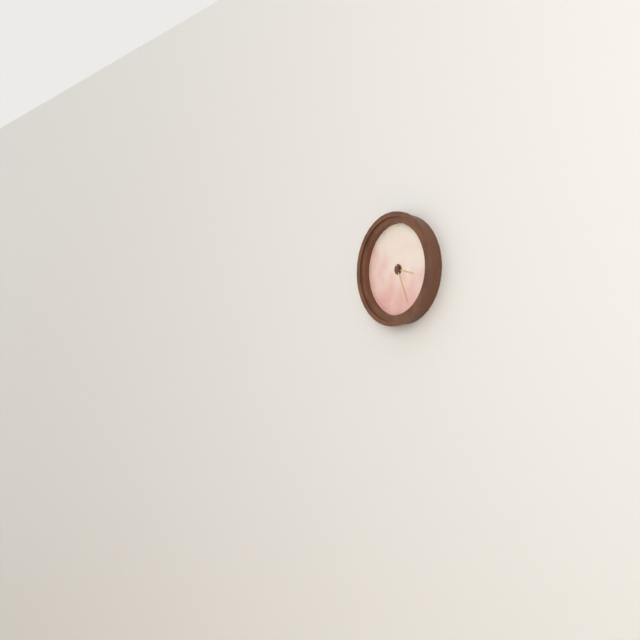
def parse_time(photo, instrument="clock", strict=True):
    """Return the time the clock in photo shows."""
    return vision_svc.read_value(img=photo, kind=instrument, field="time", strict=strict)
3:26
